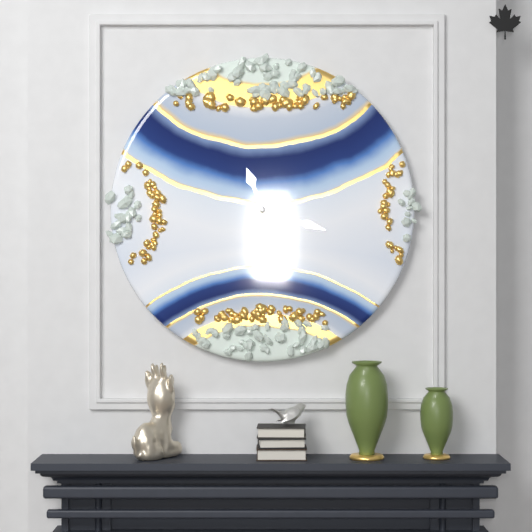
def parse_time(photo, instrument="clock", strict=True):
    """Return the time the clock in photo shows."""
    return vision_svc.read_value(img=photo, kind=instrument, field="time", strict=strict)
11:18
